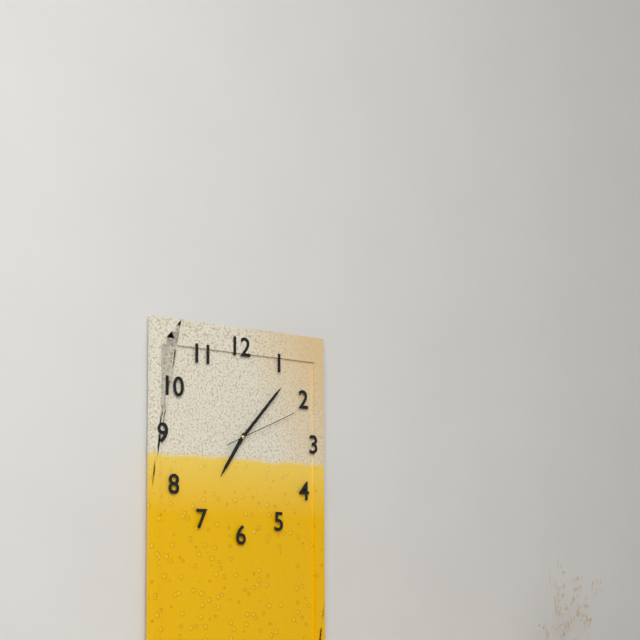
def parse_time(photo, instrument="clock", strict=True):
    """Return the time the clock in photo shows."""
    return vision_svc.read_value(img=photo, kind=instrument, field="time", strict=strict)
7:07:11
